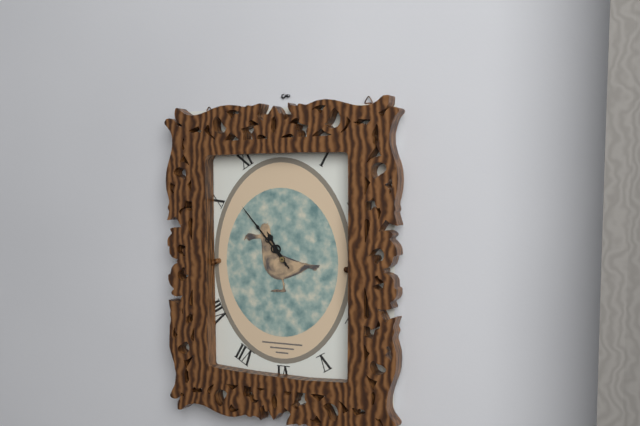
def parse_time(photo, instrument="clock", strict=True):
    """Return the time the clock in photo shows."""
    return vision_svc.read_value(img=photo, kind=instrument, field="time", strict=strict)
10:53
